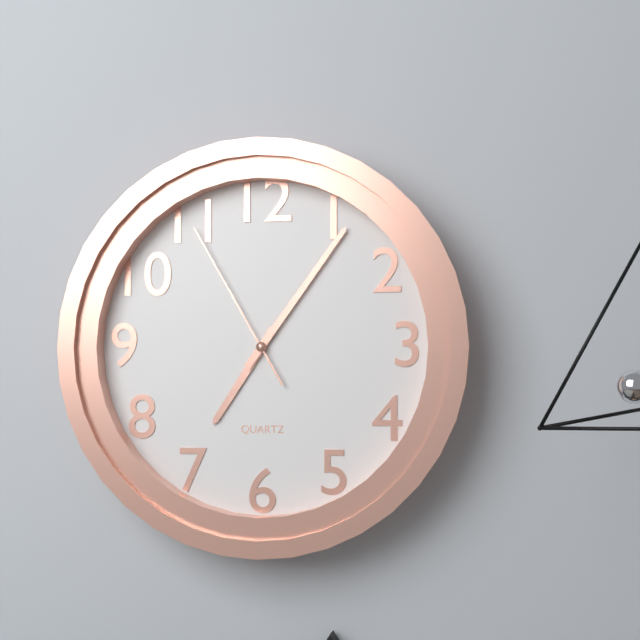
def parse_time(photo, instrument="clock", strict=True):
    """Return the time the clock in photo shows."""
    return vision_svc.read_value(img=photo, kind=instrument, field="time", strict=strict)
7:06:55
